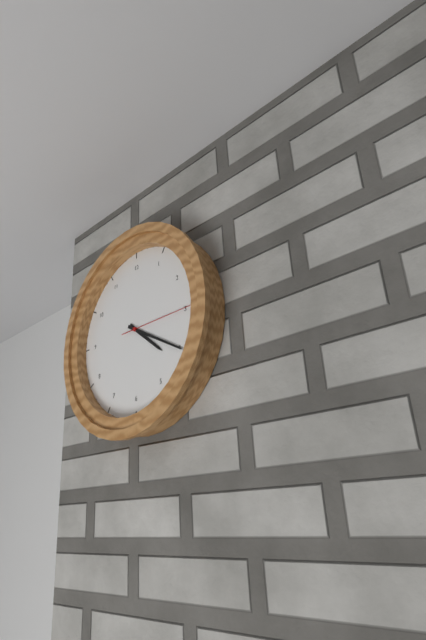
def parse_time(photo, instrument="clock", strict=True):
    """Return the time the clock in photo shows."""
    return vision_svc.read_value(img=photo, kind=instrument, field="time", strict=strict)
4:20:15
